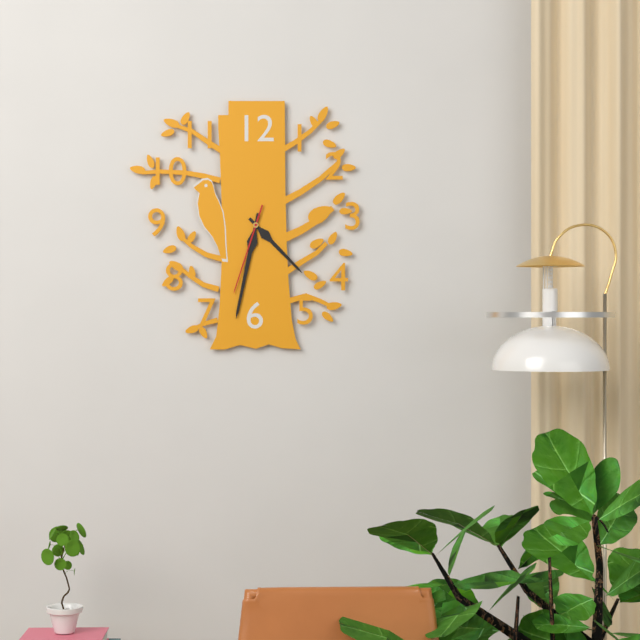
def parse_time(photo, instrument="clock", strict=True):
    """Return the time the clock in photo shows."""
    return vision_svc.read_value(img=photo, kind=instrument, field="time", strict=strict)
4:32:33
